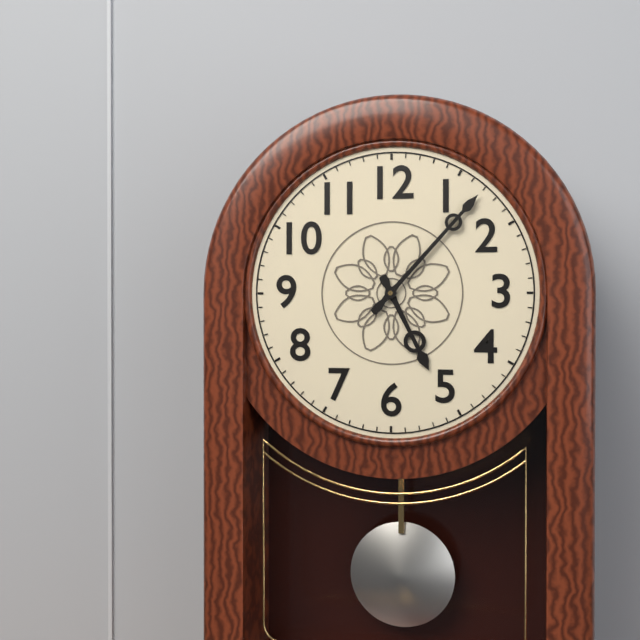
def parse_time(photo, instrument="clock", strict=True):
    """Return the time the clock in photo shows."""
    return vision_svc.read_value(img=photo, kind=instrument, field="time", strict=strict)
5:07
